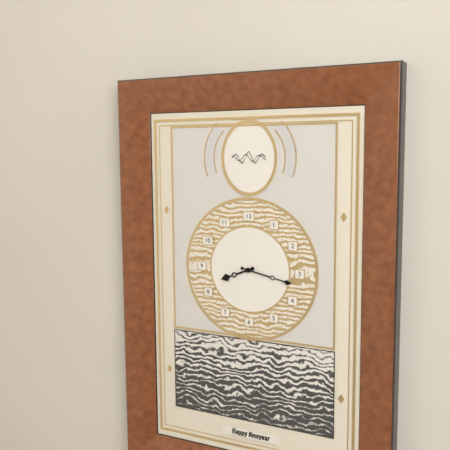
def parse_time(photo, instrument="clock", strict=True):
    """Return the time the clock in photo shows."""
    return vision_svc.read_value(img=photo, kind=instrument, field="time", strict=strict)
8:17
